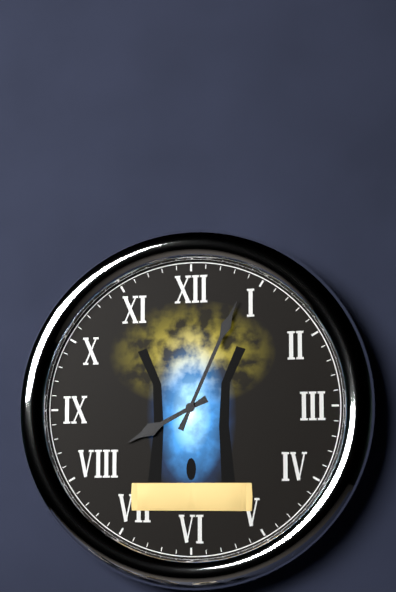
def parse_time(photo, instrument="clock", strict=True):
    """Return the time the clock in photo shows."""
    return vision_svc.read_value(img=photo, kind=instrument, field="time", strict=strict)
8:04
